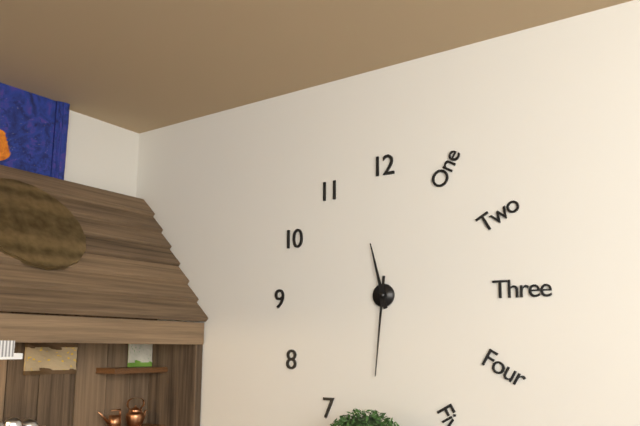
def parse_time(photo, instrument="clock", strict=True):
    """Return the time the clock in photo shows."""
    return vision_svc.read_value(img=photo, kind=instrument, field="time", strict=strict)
11:31
